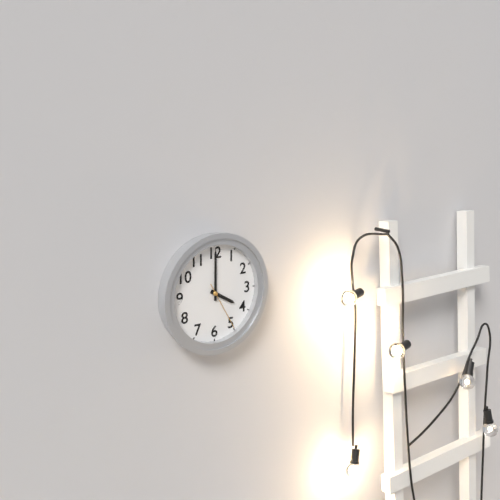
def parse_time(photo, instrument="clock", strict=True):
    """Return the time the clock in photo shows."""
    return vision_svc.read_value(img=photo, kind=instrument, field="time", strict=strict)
4:00:25
